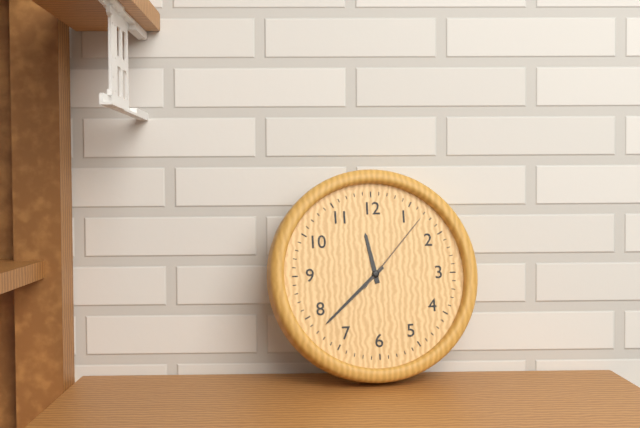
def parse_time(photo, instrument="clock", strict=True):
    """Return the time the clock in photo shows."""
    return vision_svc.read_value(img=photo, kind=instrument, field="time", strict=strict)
11:38:07
